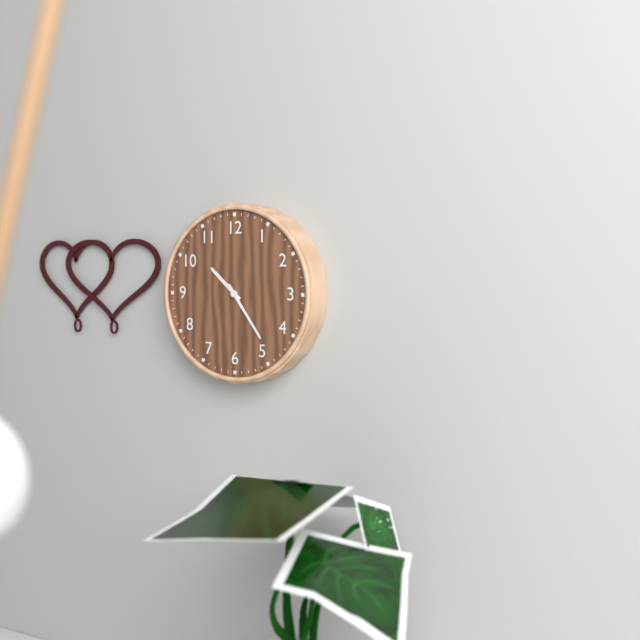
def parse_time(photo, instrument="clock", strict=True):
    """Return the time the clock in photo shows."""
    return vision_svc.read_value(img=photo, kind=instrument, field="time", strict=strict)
10:24
